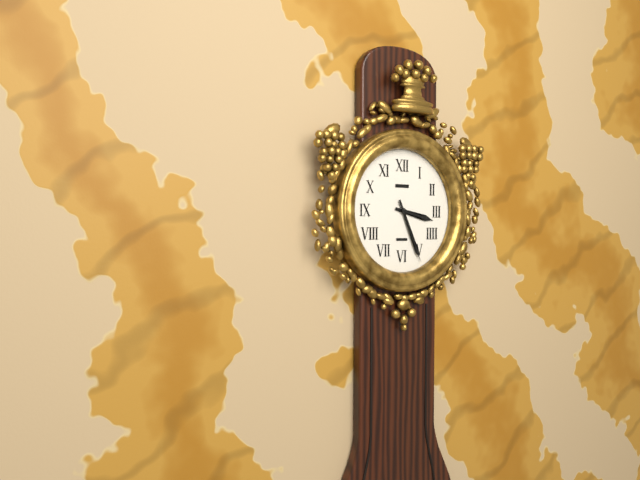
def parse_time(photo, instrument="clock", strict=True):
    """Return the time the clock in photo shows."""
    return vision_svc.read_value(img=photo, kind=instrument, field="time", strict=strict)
3:26
